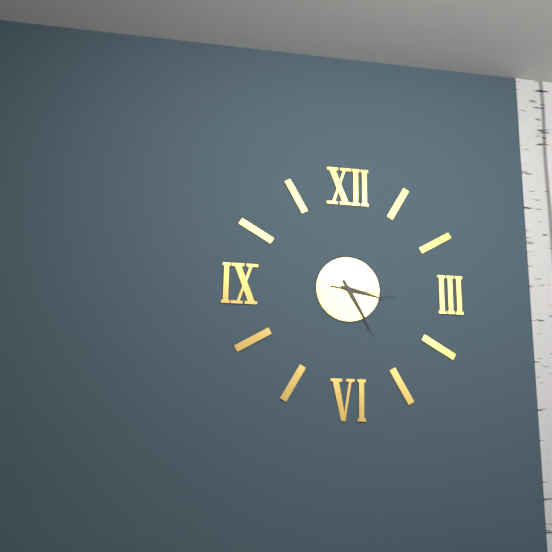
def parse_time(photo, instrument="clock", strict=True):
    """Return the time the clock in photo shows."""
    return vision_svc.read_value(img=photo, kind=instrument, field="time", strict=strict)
3:25:16
